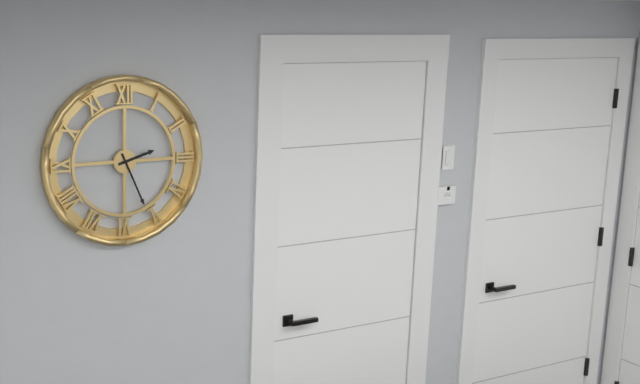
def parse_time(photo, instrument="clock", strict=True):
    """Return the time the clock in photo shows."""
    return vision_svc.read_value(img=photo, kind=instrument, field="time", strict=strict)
2:26
